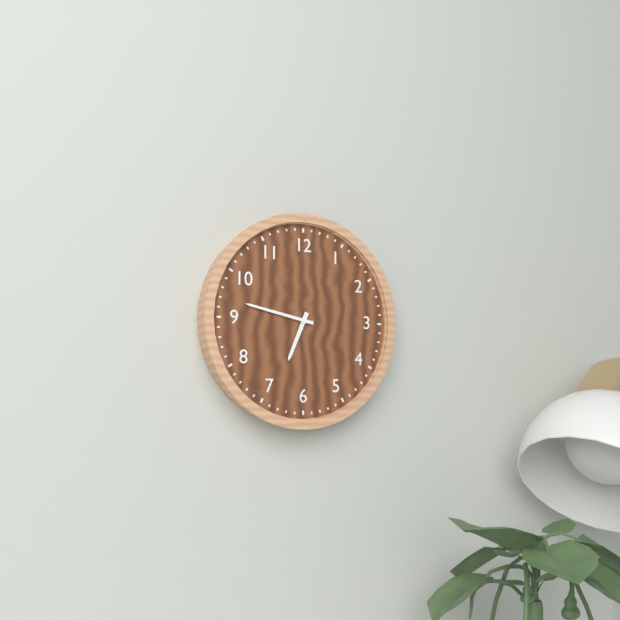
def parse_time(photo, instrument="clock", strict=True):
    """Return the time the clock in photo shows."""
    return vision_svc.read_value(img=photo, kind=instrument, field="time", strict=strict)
6:47
